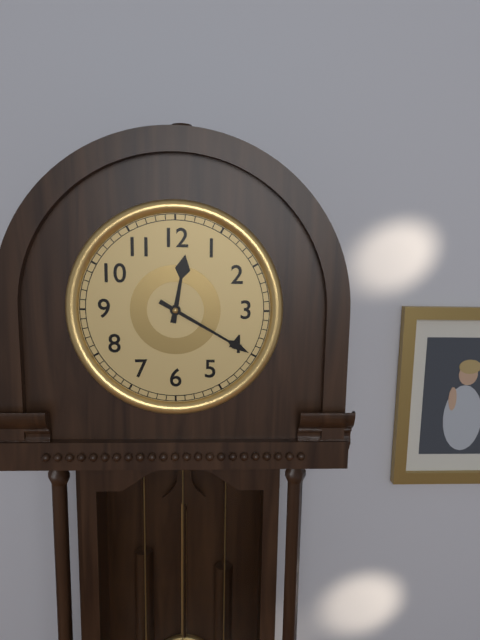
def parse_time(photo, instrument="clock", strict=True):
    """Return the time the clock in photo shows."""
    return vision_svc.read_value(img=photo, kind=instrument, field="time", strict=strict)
12:20
